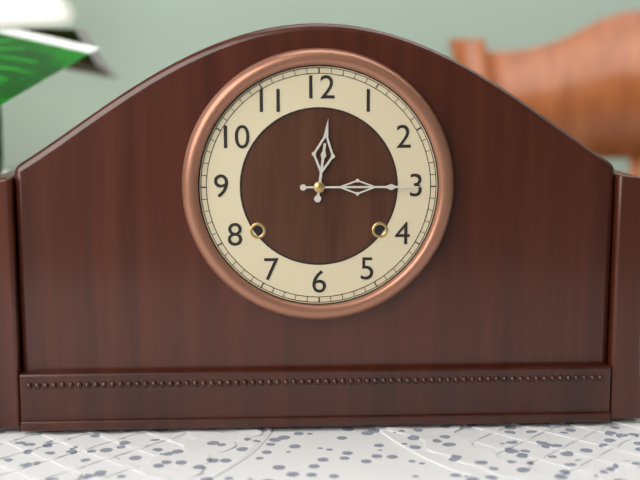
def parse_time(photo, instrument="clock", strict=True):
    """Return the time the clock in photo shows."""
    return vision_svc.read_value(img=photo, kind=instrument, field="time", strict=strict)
12:15
